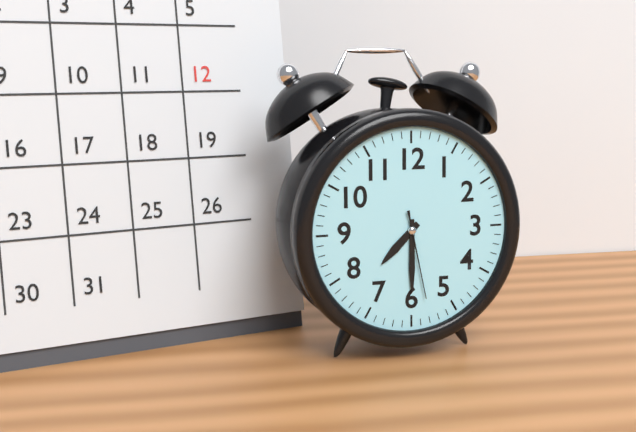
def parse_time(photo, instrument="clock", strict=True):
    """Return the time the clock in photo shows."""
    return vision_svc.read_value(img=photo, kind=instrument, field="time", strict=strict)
7:30:28
